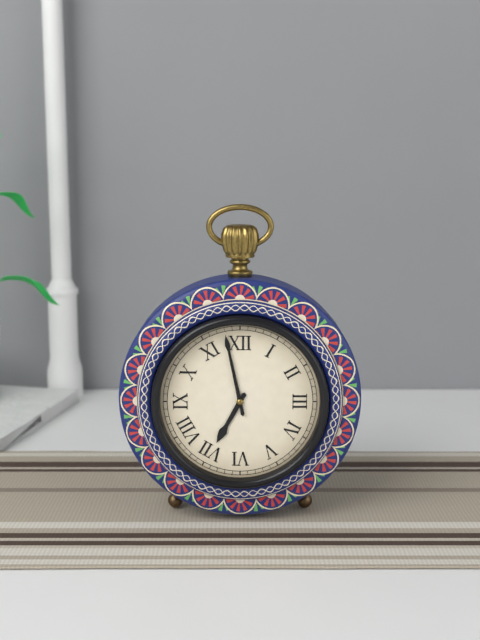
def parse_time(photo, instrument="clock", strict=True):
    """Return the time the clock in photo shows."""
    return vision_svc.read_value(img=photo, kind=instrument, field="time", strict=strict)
6:58
